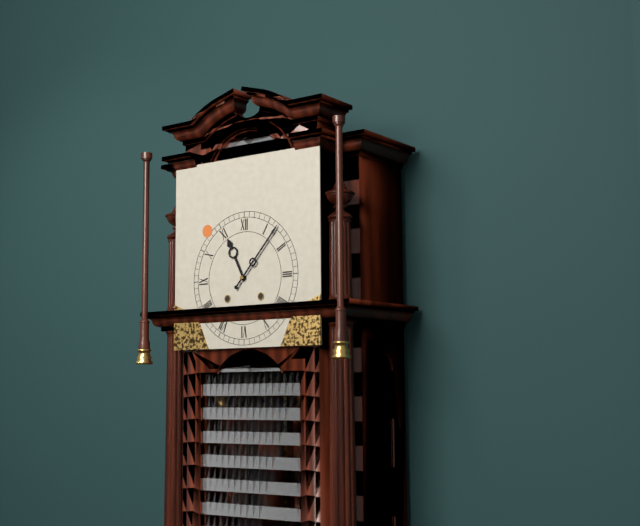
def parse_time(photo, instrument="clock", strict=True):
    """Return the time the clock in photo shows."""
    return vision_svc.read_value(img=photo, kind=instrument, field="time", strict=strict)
11:07
